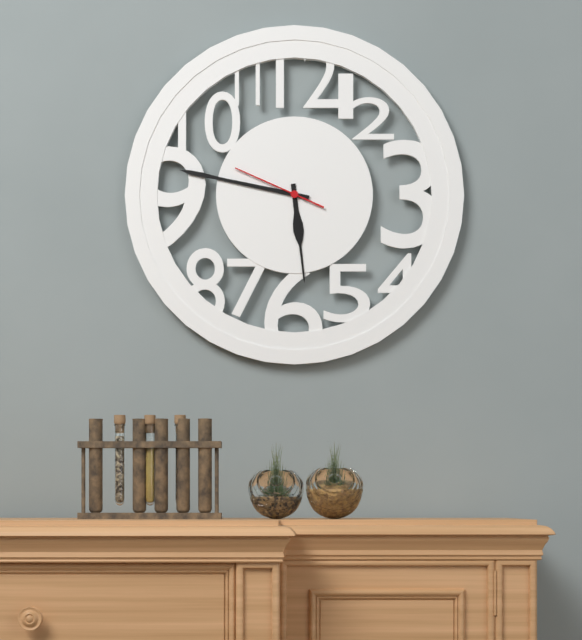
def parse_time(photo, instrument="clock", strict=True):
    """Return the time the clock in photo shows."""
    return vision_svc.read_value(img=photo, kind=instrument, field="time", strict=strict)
5:47:49
